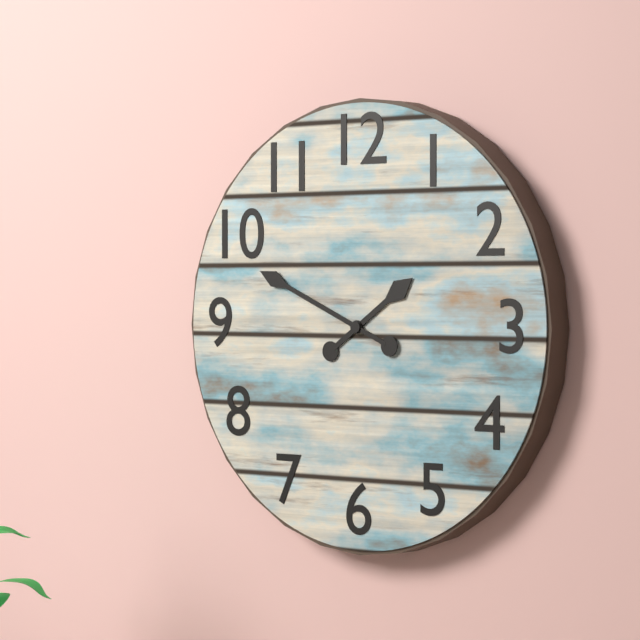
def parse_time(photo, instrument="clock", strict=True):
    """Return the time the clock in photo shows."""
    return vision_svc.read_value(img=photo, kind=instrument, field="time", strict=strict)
1:49
